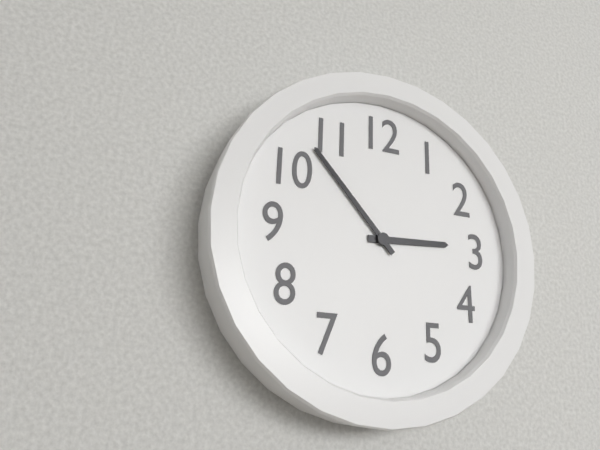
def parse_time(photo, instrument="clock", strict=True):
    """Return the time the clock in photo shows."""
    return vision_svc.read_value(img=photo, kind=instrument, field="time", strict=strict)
2:53
